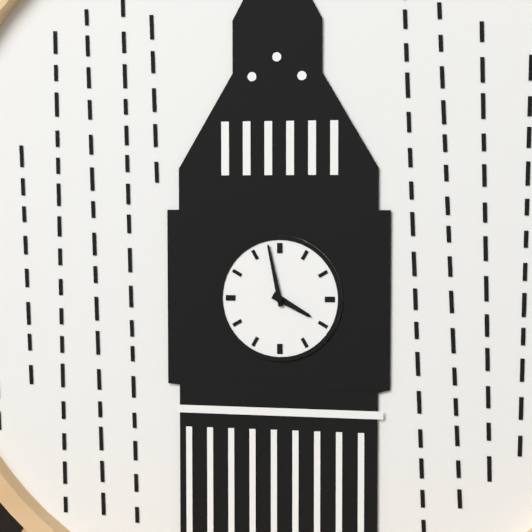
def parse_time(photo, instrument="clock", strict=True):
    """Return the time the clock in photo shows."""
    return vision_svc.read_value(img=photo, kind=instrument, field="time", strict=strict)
3:58
